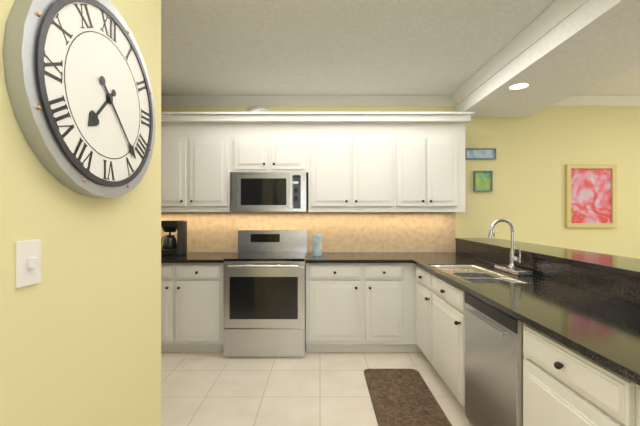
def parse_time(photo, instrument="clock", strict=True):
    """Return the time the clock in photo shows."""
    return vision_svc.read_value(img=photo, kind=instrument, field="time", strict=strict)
7:23
